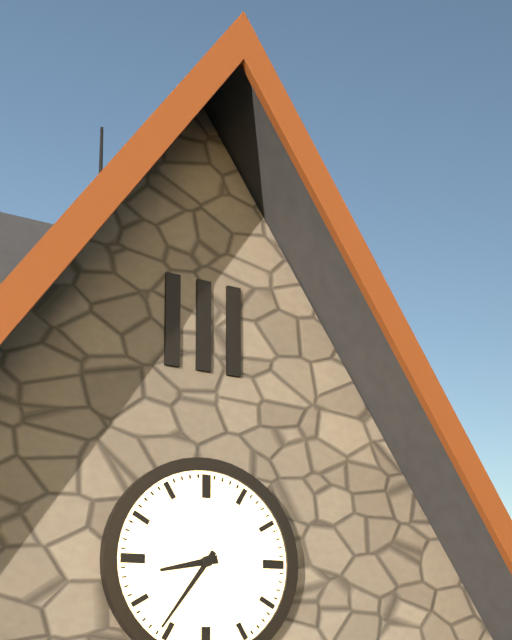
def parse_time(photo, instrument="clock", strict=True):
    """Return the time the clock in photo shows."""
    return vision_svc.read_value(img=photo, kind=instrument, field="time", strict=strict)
8:36
